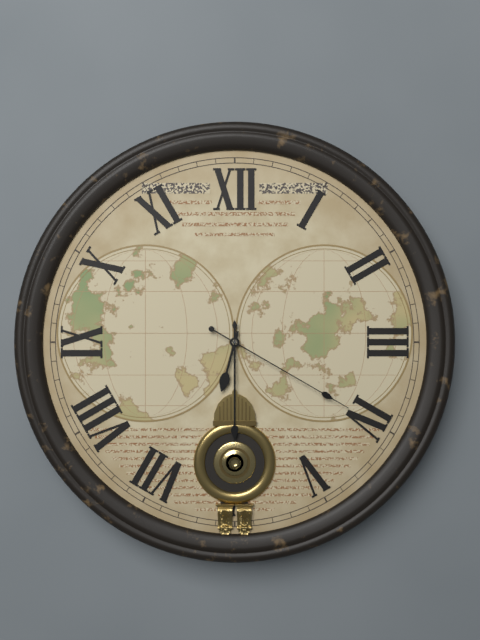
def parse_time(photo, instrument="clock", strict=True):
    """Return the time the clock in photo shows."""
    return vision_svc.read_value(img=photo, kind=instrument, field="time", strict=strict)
6:30:20
